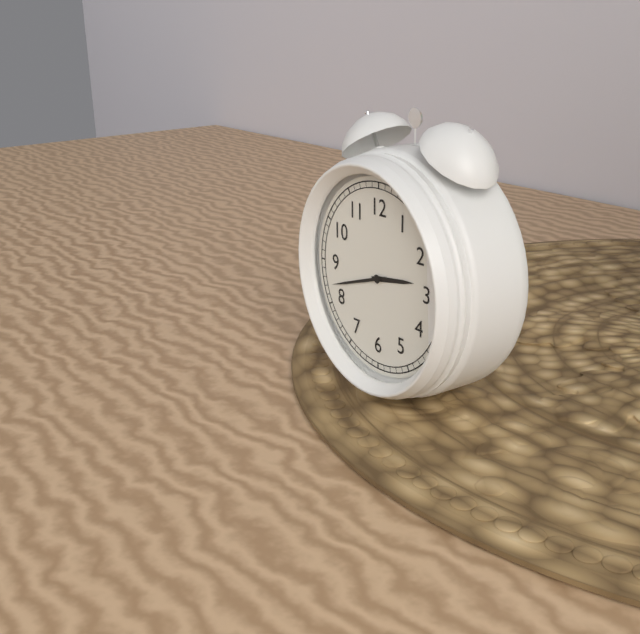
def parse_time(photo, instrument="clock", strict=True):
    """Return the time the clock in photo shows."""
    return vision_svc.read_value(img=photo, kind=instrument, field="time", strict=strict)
2:42
